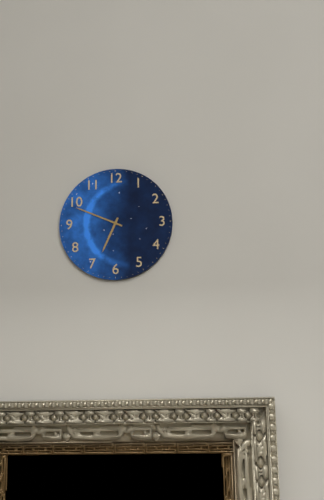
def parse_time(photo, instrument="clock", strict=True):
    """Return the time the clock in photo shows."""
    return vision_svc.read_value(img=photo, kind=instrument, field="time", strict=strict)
6:49
